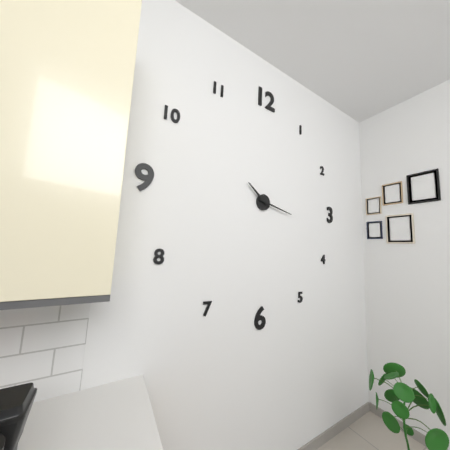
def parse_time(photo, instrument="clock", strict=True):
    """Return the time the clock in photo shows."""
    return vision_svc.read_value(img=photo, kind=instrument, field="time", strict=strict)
10:17
